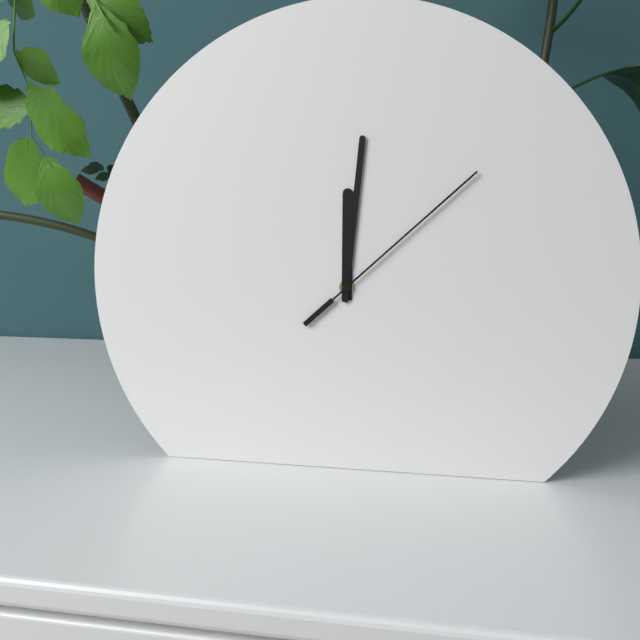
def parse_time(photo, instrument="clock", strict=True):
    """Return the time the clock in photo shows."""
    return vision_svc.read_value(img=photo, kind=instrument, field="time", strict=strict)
12:01:08
